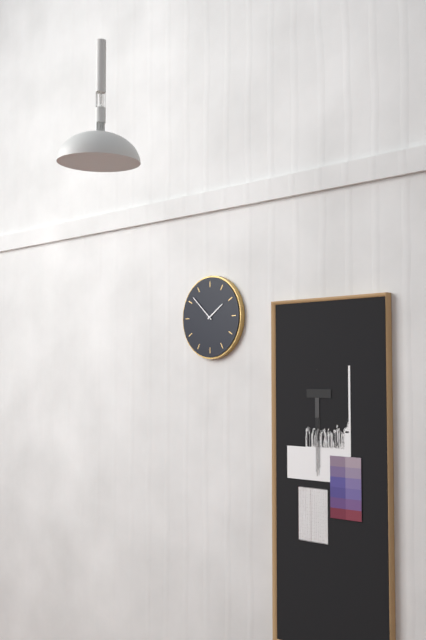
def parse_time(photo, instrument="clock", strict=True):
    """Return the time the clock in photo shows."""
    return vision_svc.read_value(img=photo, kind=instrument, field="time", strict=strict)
1:52
